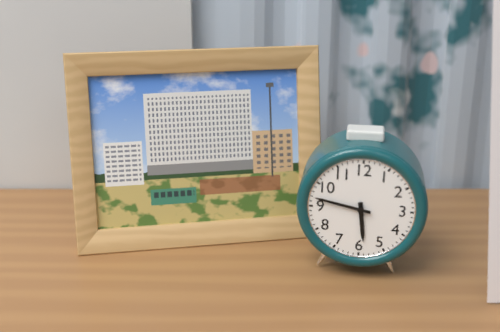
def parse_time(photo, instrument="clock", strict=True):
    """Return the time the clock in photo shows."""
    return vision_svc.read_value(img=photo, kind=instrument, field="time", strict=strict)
5:47
